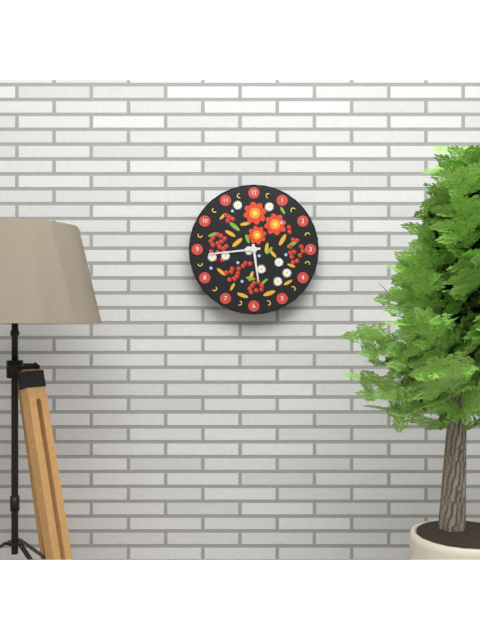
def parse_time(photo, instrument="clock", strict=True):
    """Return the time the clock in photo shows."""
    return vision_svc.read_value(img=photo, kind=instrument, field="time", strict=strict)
5:44
